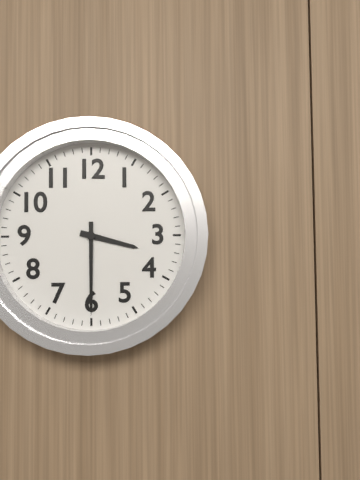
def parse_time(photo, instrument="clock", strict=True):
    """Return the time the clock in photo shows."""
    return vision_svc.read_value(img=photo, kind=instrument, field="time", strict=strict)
3:30
